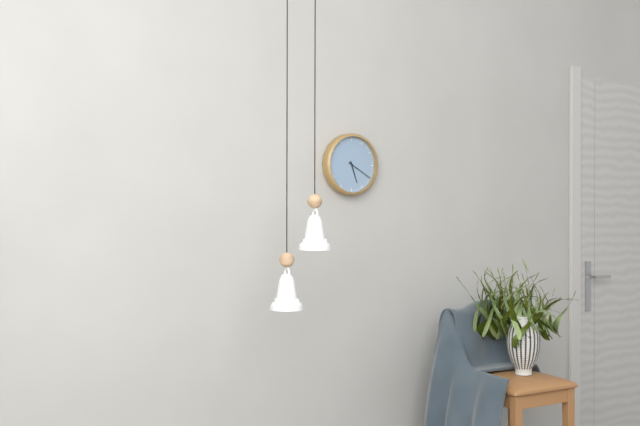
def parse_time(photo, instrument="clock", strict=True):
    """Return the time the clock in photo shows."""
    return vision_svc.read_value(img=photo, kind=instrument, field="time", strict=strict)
5:20
